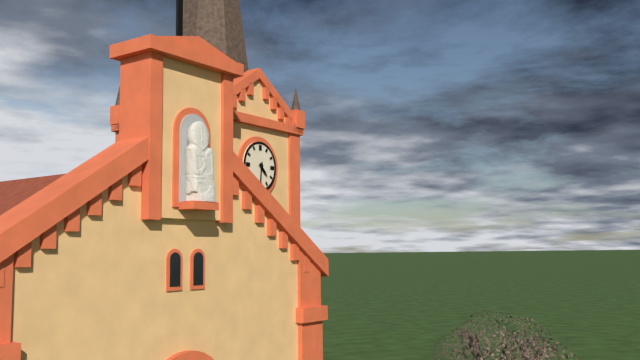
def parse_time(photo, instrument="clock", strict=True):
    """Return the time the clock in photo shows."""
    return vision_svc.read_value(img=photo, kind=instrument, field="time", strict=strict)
4:31
